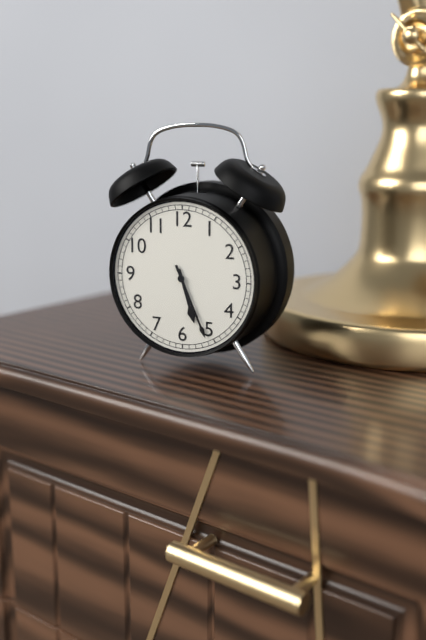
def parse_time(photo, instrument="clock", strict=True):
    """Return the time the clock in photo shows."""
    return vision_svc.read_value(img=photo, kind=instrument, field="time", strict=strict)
5:26
